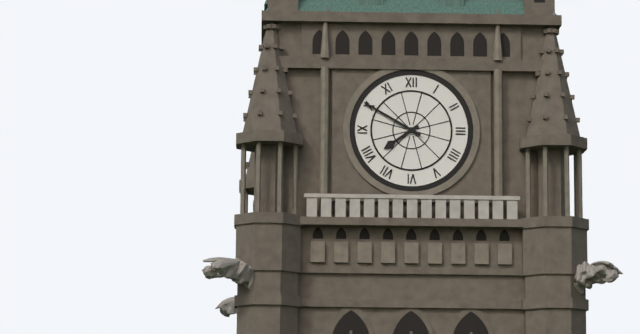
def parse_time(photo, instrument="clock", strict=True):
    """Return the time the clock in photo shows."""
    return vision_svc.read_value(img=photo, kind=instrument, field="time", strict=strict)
7:50
